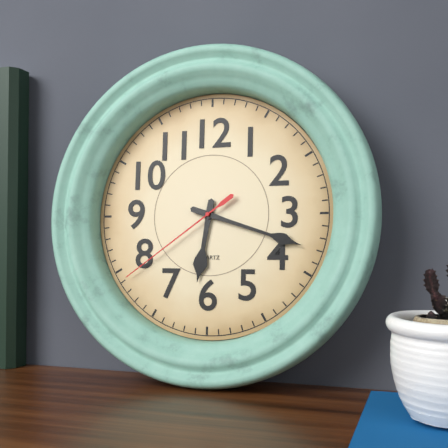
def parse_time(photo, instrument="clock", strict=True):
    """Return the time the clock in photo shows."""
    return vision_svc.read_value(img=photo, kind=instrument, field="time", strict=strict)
6:18:39
